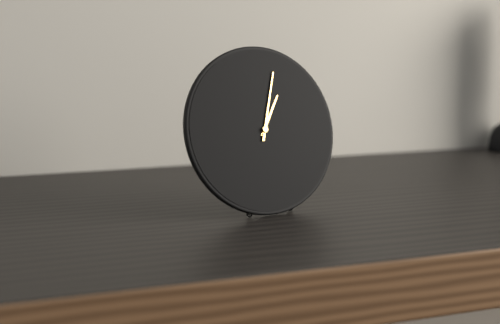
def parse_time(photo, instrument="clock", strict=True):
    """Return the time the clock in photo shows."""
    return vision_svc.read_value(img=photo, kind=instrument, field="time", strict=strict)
1:03
